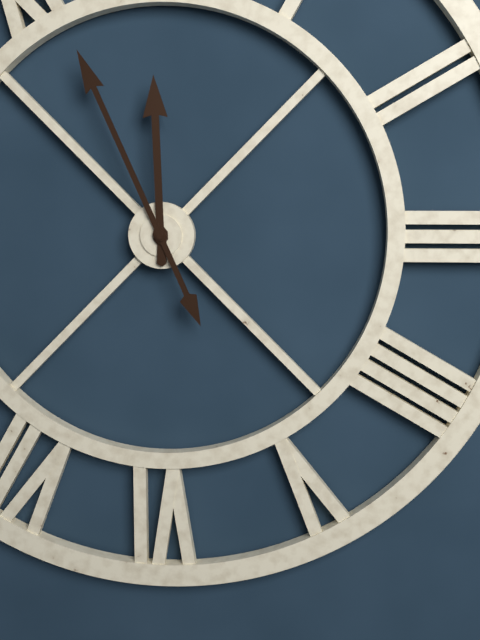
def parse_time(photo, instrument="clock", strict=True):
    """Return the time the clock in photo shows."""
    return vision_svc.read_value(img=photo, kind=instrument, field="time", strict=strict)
11:56
